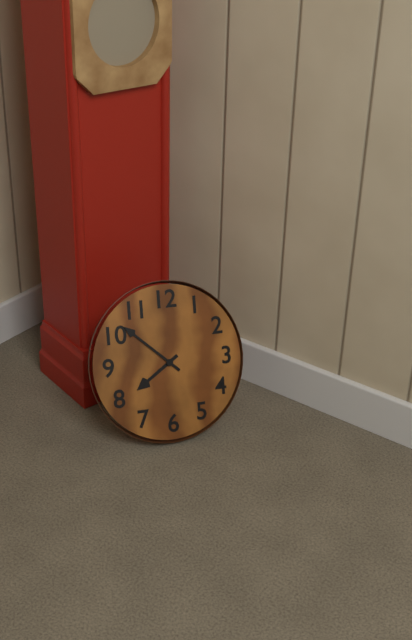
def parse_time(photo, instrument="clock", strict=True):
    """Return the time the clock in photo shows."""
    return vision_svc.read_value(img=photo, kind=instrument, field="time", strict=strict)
7:52
